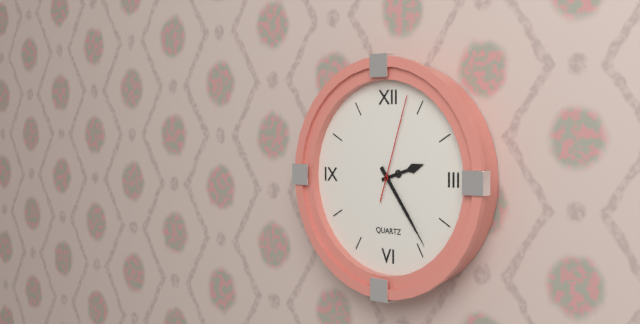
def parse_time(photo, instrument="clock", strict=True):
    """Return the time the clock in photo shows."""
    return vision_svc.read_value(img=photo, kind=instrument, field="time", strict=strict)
2:24:03
